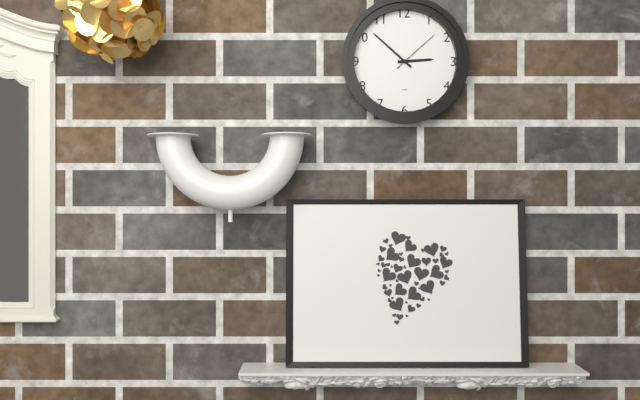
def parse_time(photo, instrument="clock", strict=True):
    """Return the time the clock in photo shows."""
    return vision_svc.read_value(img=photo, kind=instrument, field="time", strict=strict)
2:52:08
